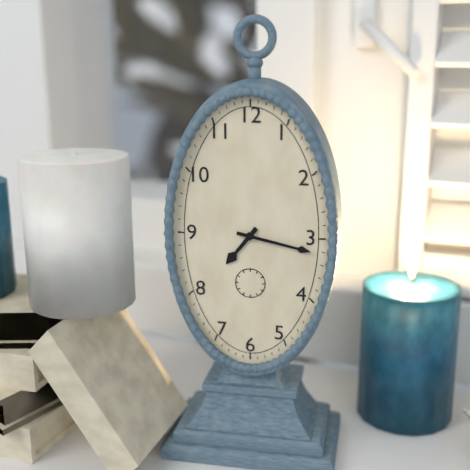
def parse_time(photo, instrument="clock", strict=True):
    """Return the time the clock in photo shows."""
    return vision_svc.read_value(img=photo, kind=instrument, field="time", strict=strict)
7:17
